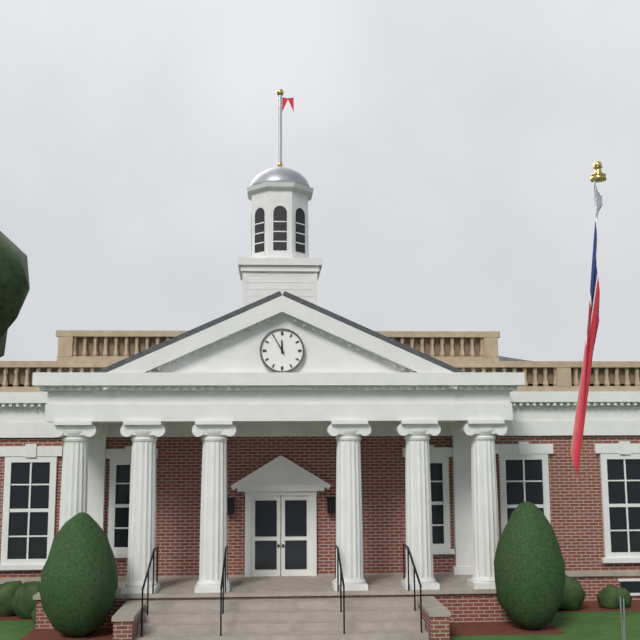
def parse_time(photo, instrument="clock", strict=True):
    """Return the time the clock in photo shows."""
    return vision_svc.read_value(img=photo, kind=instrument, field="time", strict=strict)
11:55
